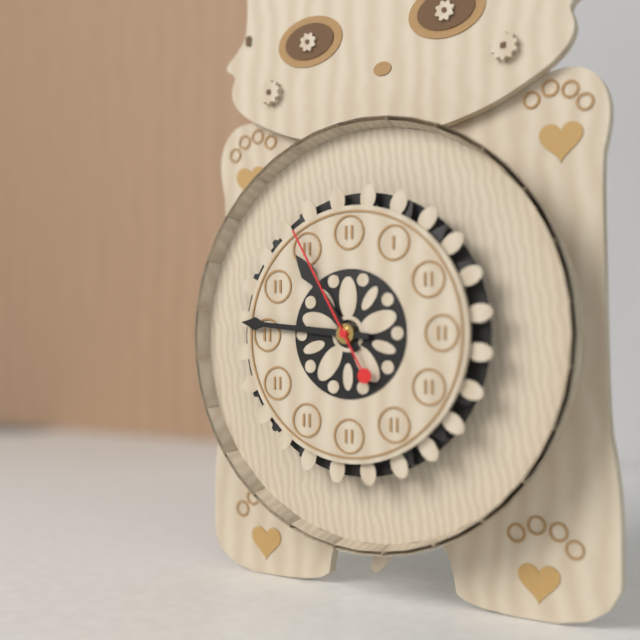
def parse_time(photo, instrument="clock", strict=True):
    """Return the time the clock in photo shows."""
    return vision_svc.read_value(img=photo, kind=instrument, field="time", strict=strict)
10:46:55
